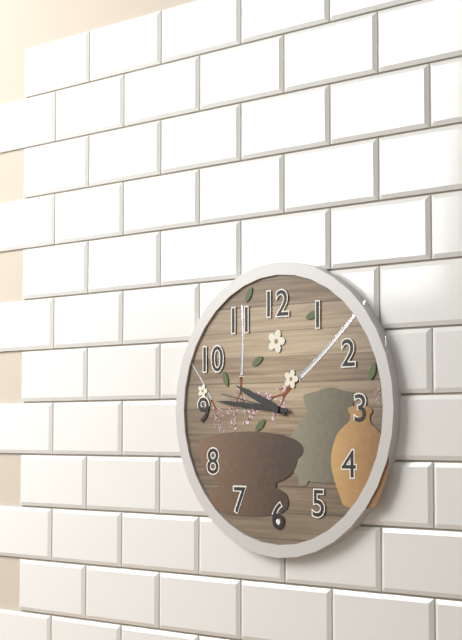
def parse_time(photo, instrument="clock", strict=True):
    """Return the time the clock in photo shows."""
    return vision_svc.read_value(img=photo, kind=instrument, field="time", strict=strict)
9:46:47
